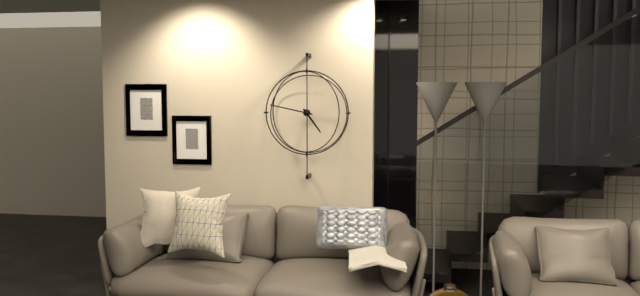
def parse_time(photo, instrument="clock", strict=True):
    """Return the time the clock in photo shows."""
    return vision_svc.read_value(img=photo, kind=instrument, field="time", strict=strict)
4:47
